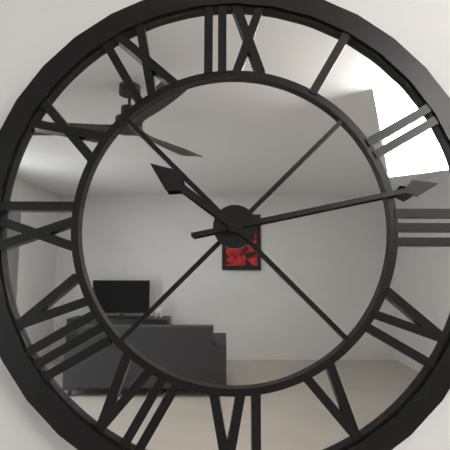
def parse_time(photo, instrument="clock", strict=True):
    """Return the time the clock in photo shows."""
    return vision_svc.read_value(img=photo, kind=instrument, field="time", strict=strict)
10:13
